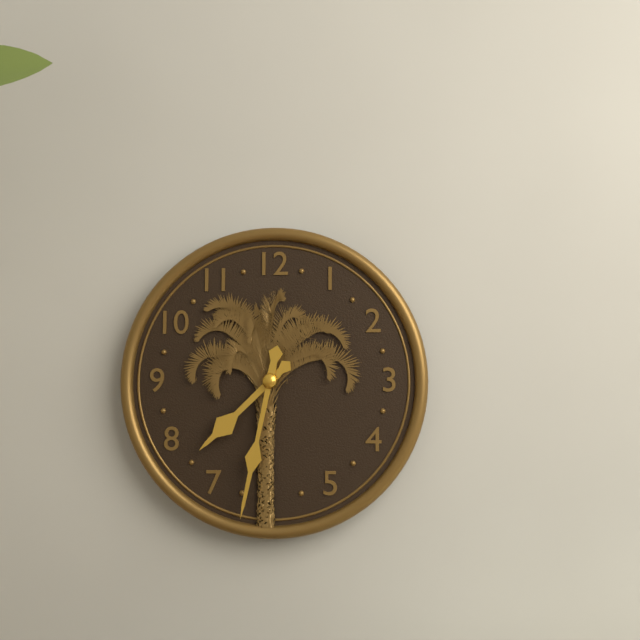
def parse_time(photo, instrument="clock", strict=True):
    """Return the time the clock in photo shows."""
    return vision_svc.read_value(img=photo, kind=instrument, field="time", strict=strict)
7:32
